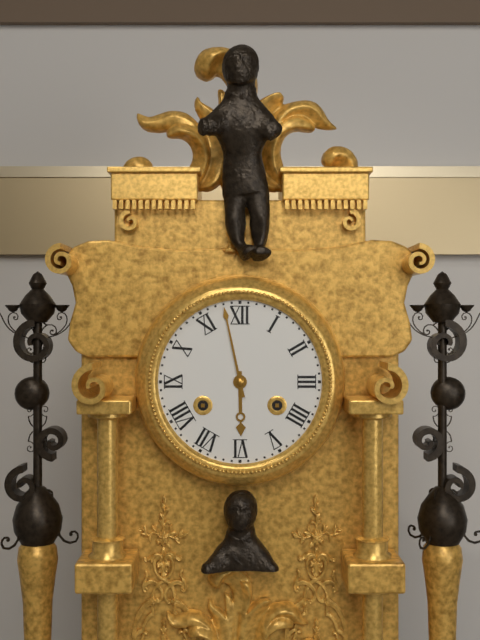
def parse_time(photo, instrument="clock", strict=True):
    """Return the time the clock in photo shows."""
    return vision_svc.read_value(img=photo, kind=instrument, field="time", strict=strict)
5:58
